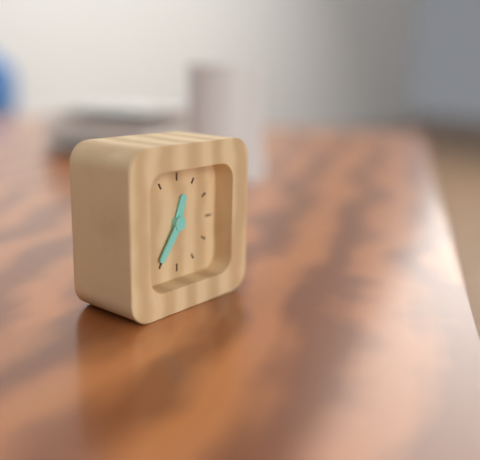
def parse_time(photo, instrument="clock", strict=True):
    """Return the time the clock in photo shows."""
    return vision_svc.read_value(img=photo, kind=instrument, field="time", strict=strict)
12:36
